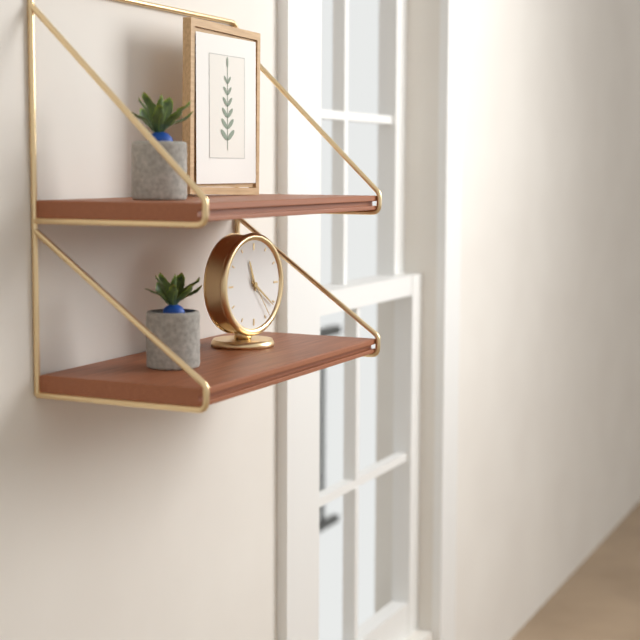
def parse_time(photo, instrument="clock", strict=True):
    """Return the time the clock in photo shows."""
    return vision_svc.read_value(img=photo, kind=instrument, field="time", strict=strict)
11:21
